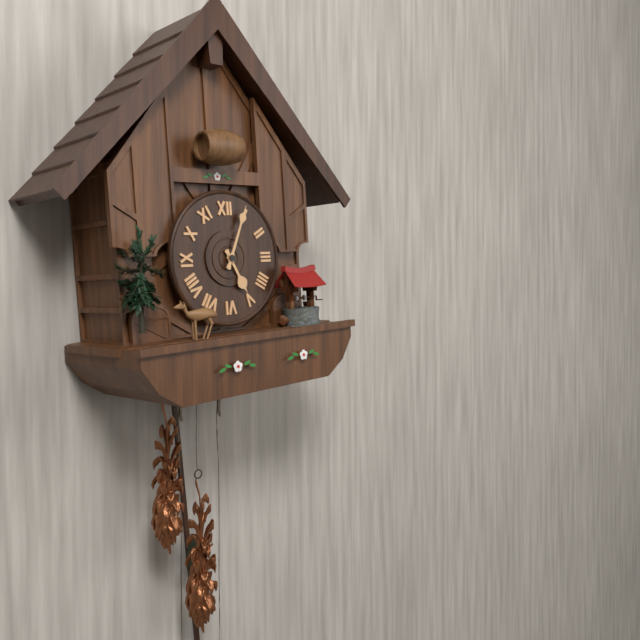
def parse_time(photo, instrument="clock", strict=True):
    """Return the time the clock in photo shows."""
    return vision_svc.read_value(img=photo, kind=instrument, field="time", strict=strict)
5:04
